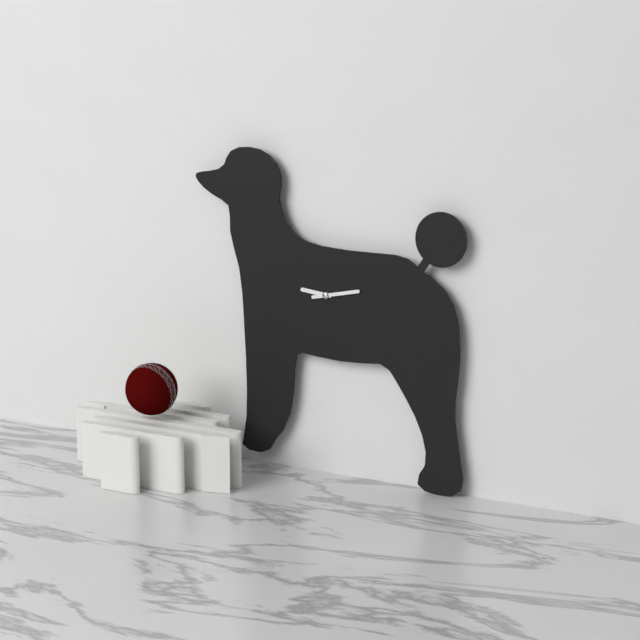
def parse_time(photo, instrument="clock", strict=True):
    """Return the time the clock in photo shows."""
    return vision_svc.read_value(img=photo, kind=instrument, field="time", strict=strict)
9:13
